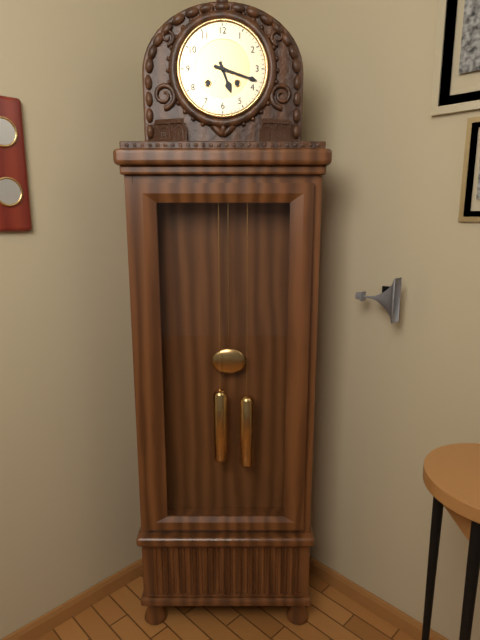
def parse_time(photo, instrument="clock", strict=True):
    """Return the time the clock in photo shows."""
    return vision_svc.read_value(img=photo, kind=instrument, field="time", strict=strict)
5:18
